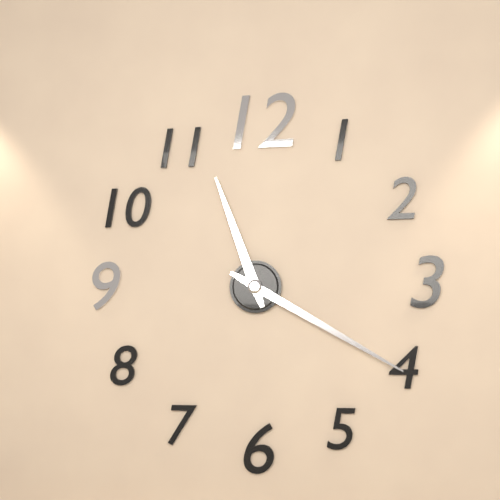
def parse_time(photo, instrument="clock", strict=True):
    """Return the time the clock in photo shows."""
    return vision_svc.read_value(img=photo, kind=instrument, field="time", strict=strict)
11:20
